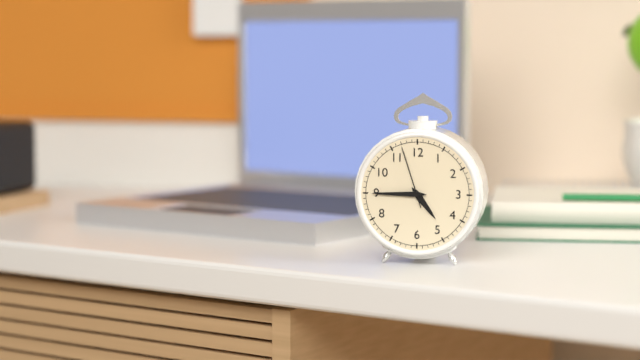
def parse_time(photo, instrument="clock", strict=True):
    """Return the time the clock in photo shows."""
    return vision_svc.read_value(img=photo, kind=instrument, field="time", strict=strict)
4:45:57
